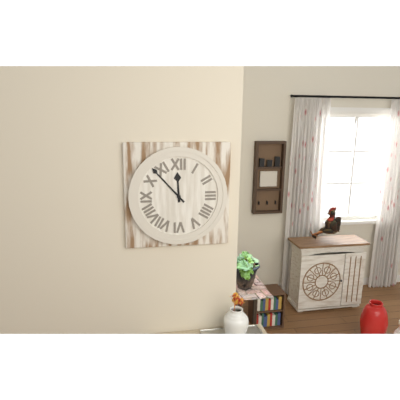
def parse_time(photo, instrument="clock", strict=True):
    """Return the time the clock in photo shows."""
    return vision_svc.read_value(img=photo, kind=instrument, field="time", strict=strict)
11:53
